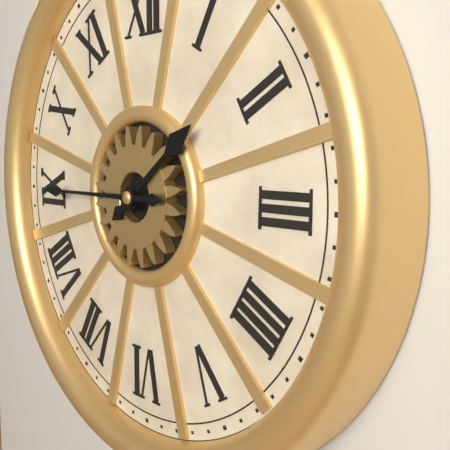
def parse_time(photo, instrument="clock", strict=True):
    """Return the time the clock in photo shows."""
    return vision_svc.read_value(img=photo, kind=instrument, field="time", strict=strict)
1:45
